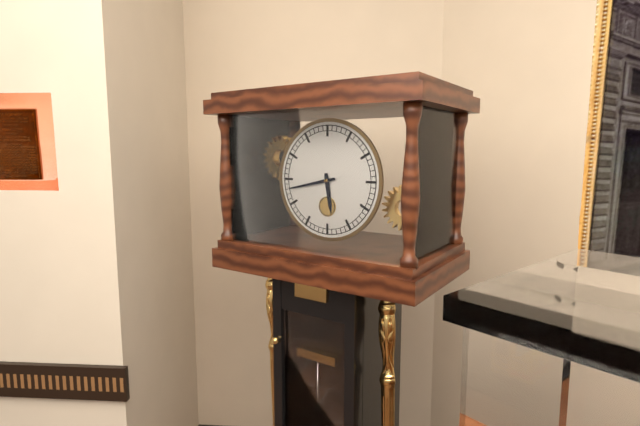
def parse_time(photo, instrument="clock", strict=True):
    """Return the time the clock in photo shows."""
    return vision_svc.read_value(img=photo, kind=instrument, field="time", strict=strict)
5:43
